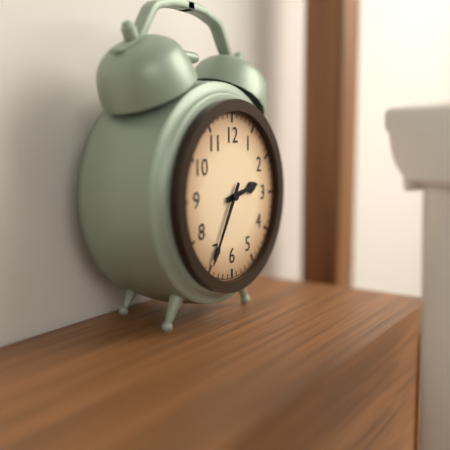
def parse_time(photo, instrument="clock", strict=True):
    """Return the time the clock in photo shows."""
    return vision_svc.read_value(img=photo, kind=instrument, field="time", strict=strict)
2:35
